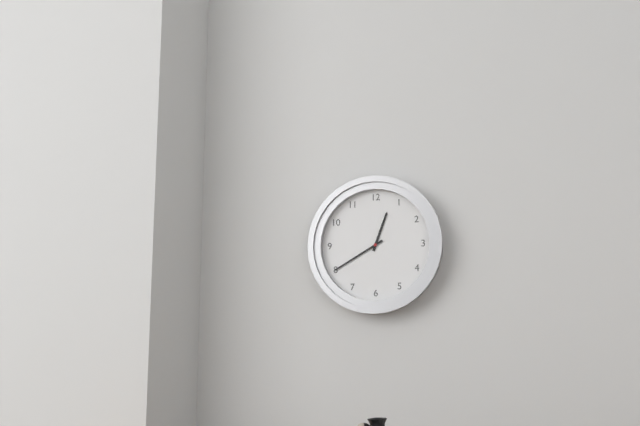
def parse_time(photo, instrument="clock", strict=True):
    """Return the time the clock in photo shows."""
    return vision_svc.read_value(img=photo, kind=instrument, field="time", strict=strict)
12:40
